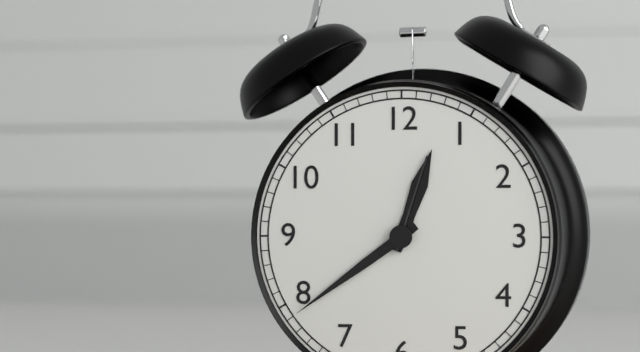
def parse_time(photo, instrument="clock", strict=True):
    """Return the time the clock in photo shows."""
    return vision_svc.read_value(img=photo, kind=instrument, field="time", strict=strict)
12:39:03
